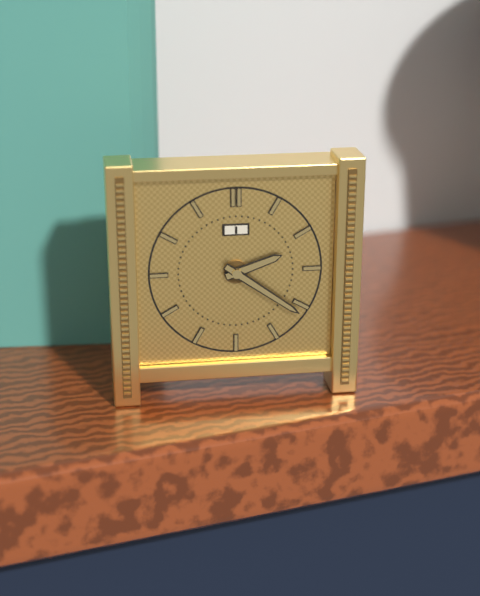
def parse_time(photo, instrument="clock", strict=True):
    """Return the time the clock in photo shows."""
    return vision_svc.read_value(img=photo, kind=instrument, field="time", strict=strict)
2:21
